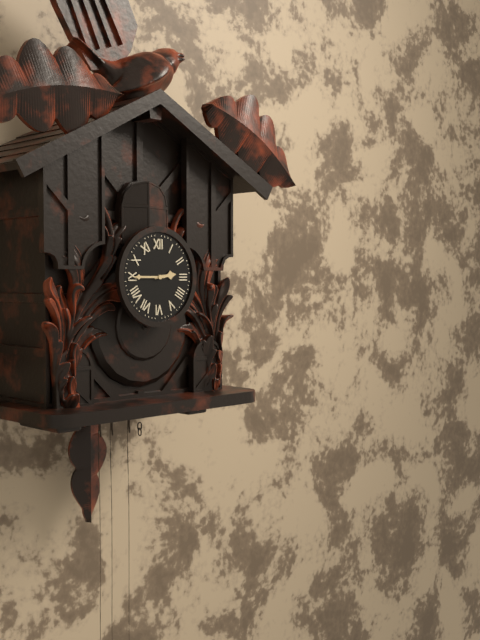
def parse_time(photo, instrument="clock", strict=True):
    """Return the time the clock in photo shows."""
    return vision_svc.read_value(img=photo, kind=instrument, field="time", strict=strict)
2:45
